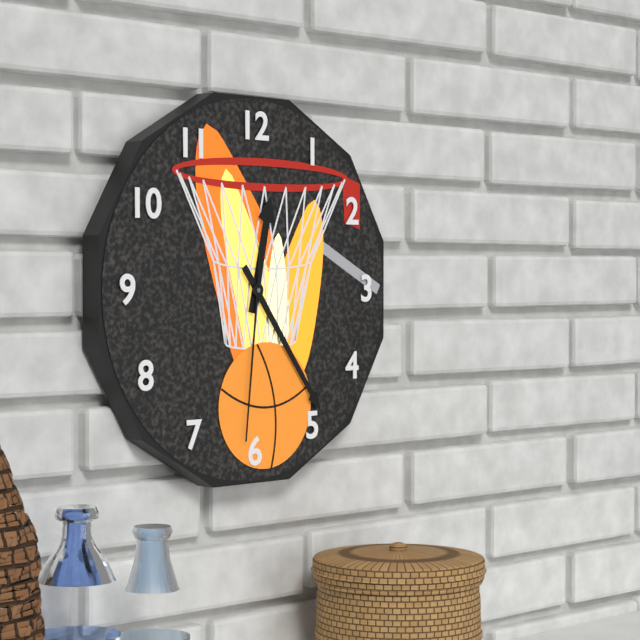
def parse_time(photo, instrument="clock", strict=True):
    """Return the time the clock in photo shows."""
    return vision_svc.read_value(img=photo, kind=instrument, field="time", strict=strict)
12:24:31
